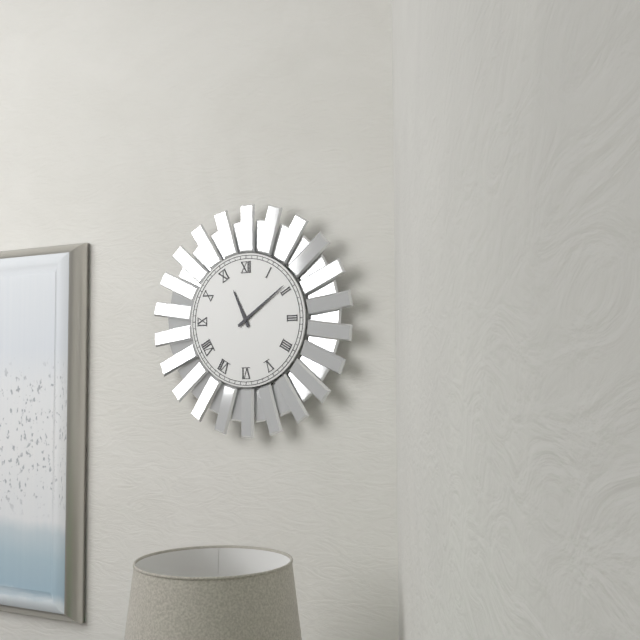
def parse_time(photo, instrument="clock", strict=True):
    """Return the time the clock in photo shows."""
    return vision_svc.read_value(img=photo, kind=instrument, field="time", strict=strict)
11:09
